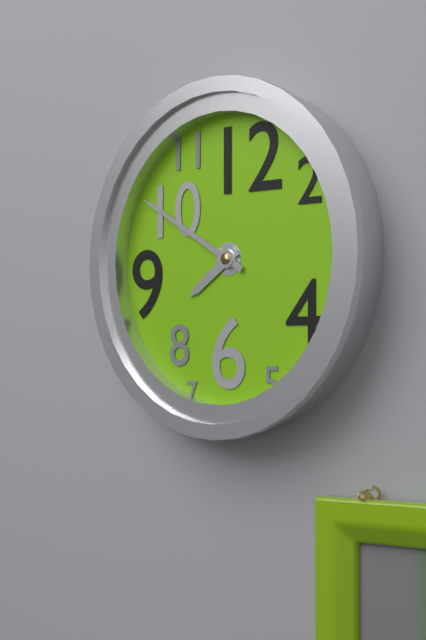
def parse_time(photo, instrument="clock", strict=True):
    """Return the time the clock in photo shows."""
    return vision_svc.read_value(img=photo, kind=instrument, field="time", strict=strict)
7:50
